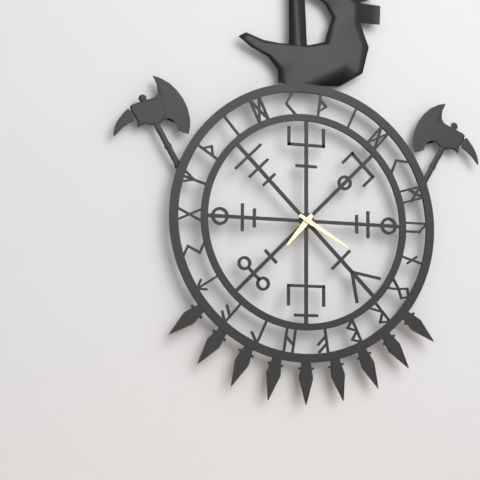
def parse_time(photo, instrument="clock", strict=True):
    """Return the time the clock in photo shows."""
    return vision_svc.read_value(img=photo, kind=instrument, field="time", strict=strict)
7:20
